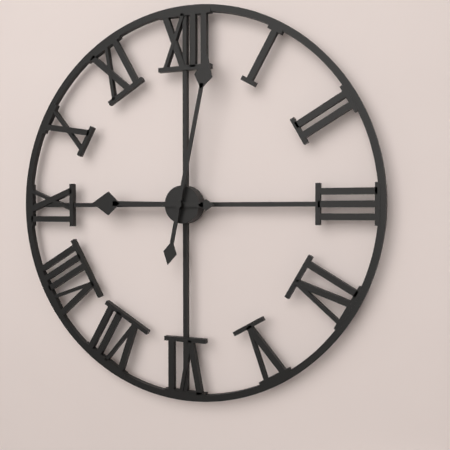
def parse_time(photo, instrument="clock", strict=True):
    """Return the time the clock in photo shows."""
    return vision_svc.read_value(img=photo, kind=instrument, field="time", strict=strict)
9:02
